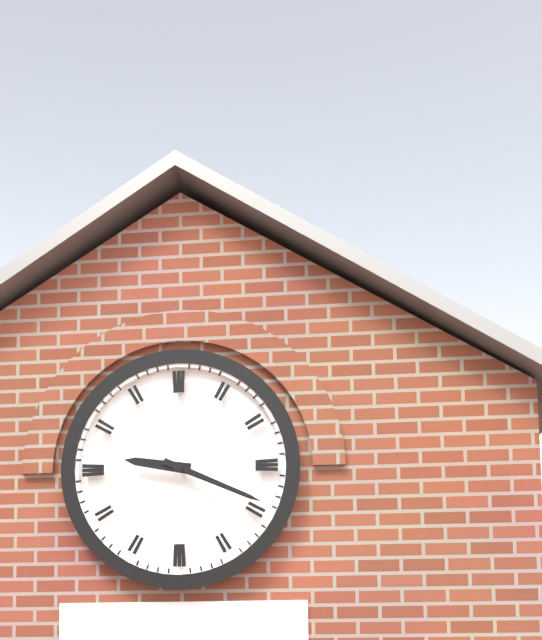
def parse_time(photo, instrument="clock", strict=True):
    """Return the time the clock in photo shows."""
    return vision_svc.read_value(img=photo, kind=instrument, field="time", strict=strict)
9:19
